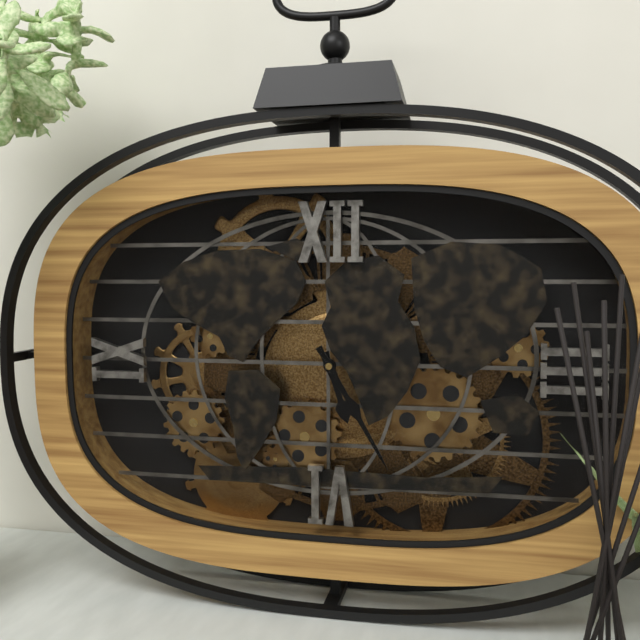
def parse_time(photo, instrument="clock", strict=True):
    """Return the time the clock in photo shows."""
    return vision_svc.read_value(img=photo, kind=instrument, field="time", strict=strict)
5:25
